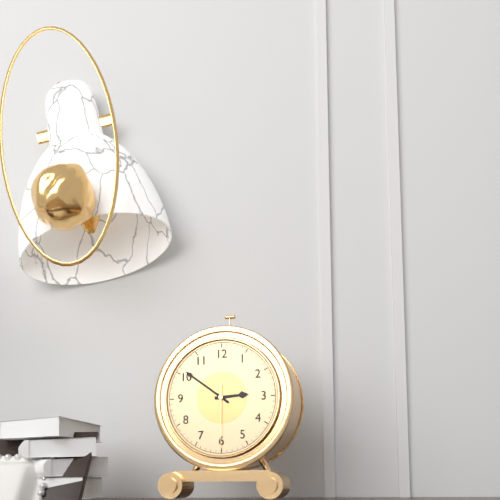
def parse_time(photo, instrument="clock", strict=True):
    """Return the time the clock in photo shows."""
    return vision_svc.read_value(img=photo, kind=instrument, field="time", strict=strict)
2:51:30
